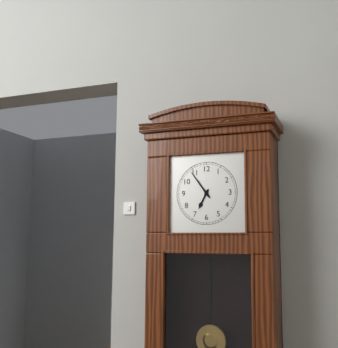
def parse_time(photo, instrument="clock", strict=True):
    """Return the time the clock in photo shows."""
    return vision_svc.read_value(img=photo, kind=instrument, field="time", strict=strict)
6:54
